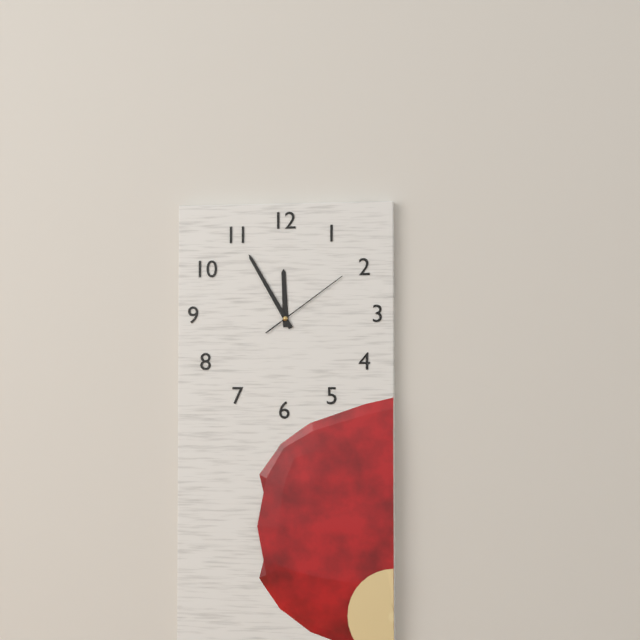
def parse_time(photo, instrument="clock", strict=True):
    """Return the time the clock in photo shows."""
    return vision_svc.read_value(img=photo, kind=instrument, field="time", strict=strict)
11:55:09
